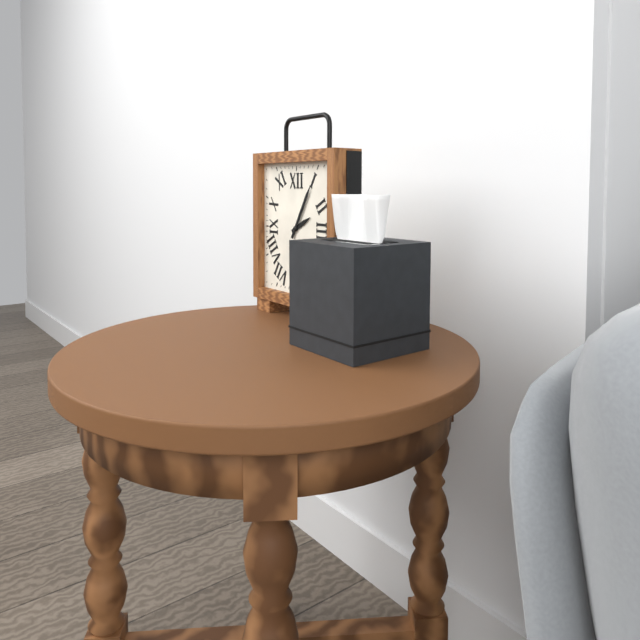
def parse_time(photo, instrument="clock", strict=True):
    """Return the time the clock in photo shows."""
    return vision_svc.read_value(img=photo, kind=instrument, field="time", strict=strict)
2:05
